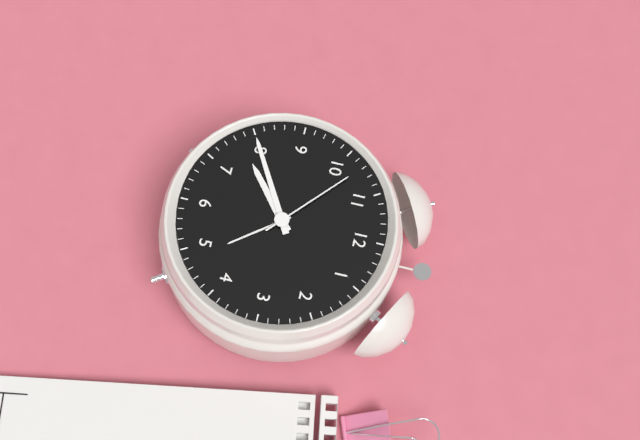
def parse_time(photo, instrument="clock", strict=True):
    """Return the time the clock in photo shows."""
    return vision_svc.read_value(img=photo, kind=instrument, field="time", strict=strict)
7:40:52
